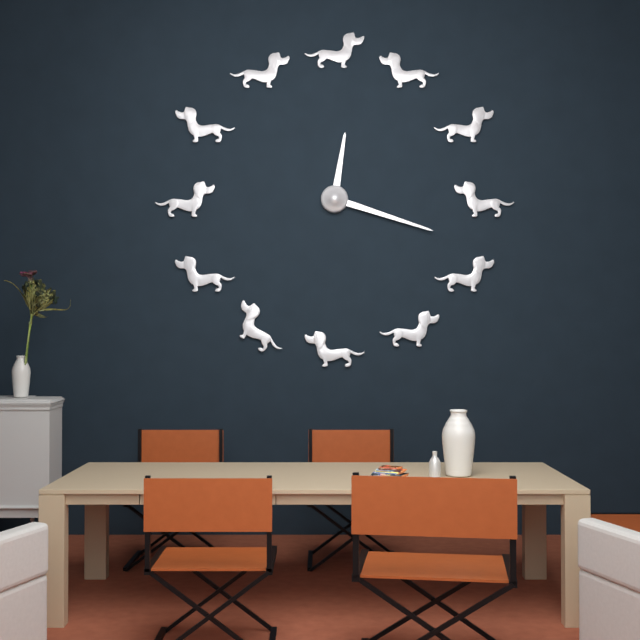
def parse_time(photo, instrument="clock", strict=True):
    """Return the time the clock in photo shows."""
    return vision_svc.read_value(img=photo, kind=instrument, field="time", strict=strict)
12:18
